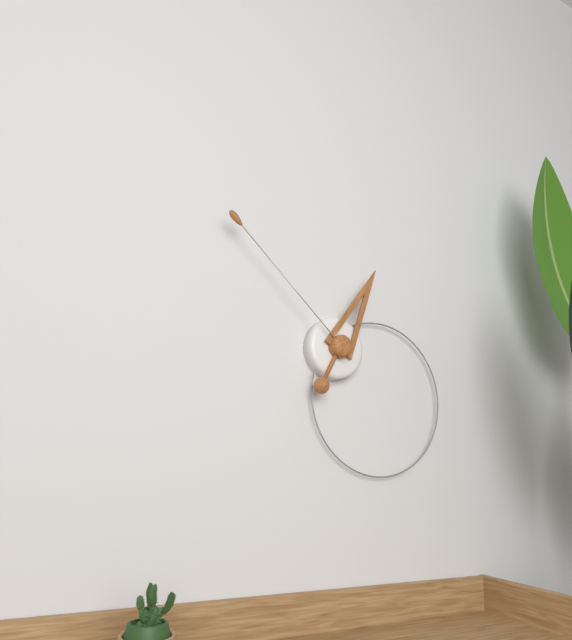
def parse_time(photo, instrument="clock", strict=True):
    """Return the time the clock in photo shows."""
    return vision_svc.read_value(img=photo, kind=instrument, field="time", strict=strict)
12:52
